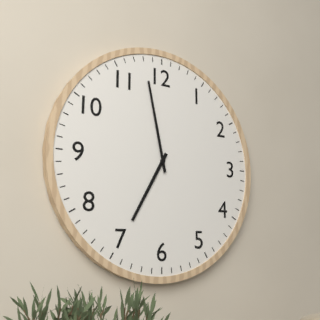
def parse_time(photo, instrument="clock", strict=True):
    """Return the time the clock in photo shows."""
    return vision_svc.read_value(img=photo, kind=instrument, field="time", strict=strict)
6:58
